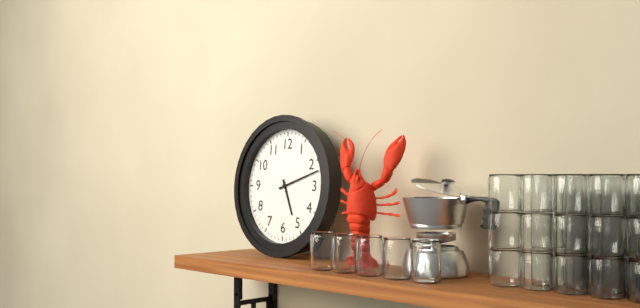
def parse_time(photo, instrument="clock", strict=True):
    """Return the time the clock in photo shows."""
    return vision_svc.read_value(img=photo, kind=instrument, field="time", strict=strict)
5:12
